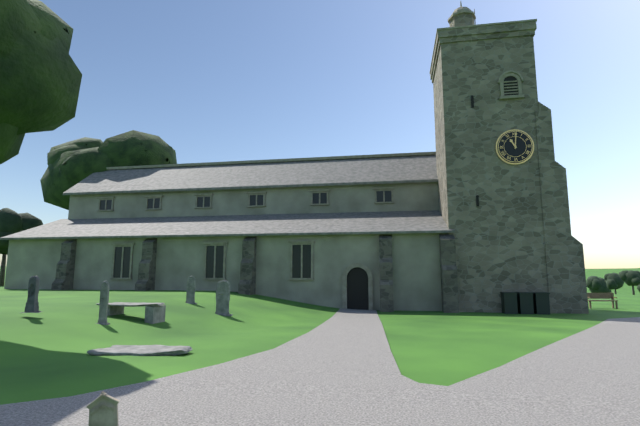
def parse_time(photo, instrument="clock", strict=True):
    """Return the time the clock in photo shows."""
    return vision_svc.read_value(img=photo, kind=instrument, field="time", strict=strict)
11:01
